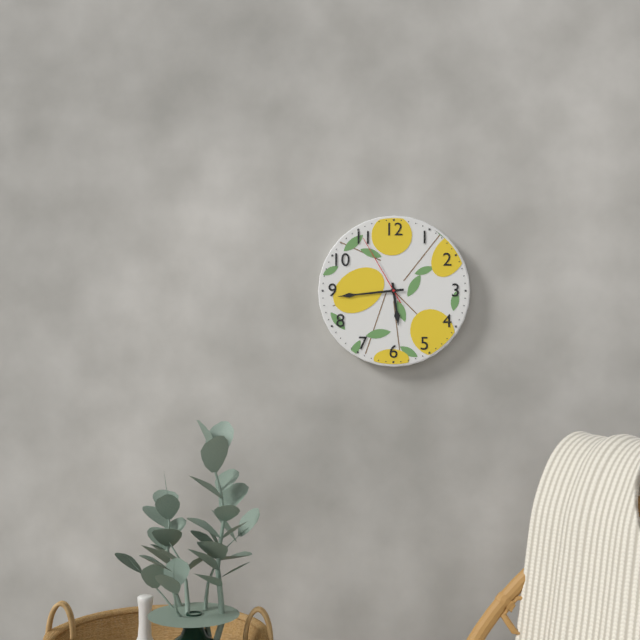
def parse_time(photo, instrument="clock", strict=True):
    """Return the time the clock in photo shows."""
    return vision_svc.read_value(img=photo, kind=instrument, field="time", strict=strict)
5:44:55
